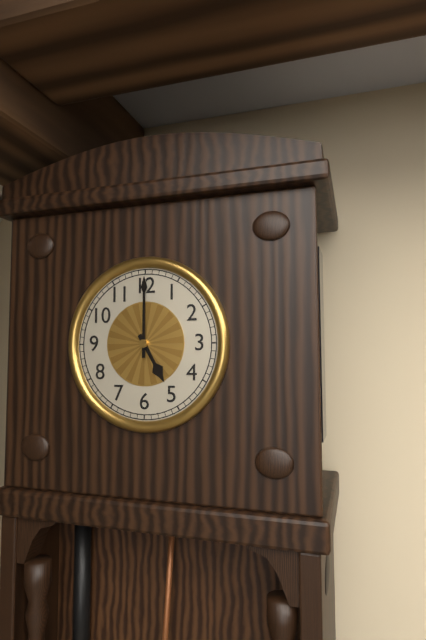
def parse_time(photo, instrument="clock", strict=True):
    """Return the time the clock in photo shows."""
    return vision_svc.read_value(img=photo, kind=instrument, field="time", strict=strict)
5:00
